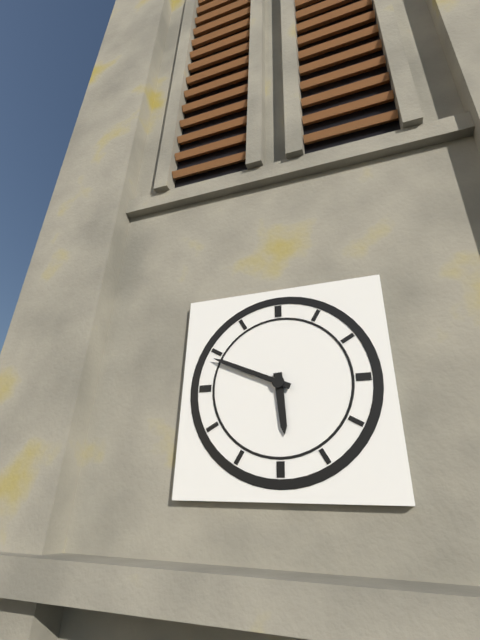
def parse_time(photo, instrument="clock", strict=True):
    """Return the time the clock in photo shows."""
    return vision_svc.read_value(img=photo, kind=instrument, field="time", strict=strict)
5:49
